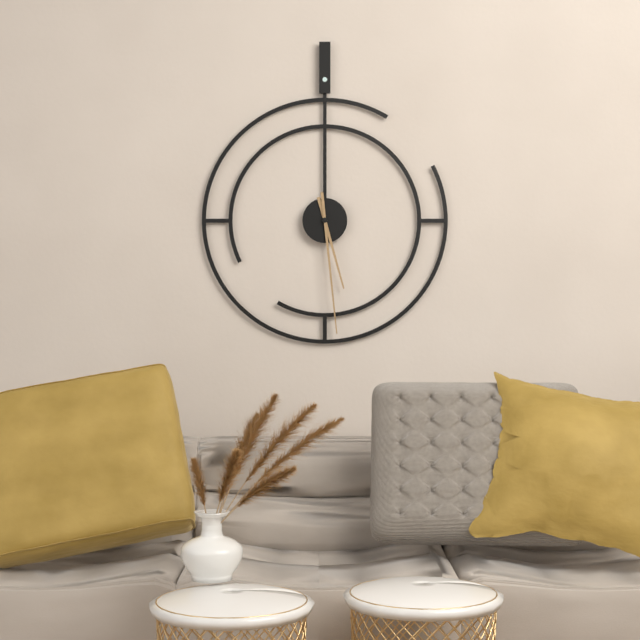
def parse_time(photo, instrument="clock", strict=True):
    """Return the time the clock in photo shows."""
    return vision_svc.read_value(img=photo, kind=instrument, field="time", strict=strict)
5:29
